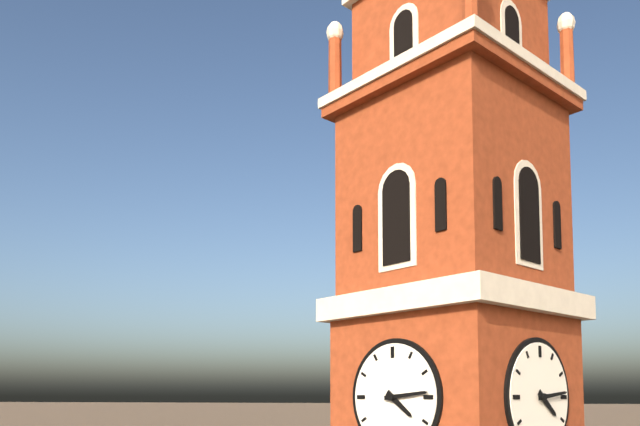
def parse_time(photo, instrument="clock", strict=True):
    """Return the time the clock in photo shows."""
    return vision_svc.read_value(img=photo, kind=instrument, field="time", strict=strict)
4:14
